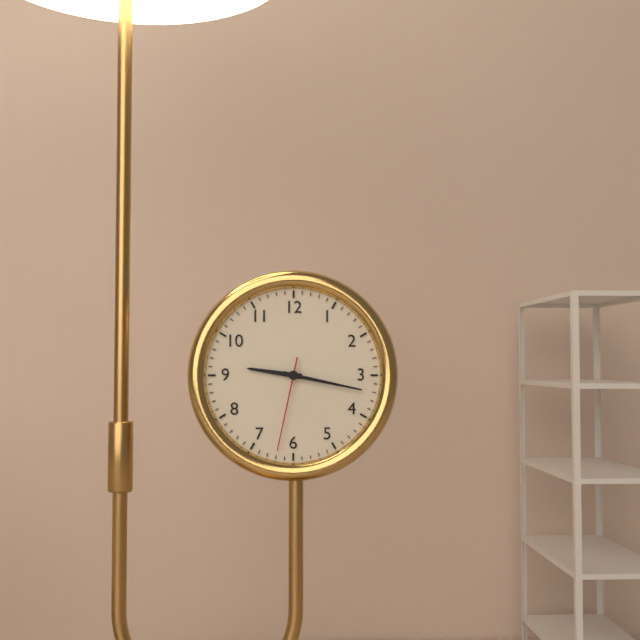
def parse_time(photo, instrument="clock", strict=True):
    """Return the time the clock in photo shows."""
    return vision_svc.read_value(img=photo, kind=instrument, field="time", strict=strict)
9:17:32
